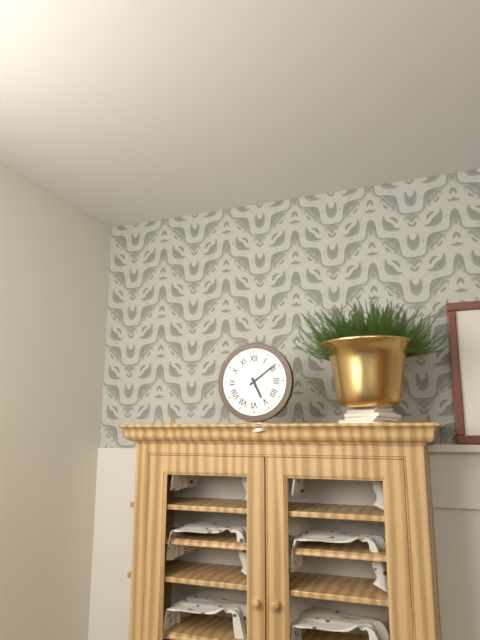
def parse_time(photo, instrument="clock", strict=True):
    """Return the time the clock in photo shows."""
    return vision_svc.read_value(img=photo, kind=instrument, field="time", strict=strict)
5:09
